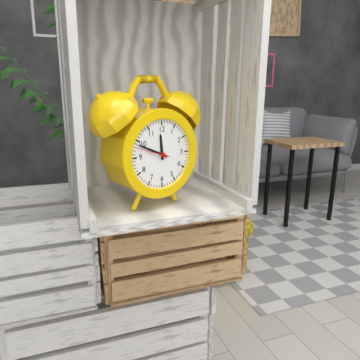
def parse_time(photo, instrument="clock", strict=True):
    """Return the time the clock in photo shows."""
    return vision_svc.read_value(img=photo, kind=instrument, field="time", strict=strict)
11:49
